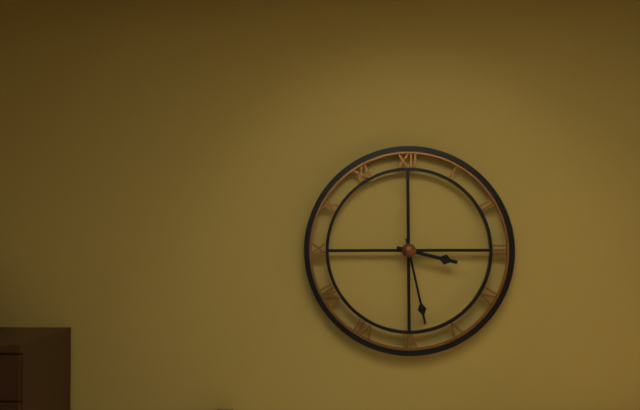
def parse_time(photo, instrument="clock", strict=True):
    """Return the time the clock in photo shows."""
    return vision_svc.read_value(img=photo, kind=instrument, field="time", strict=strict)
3:28
